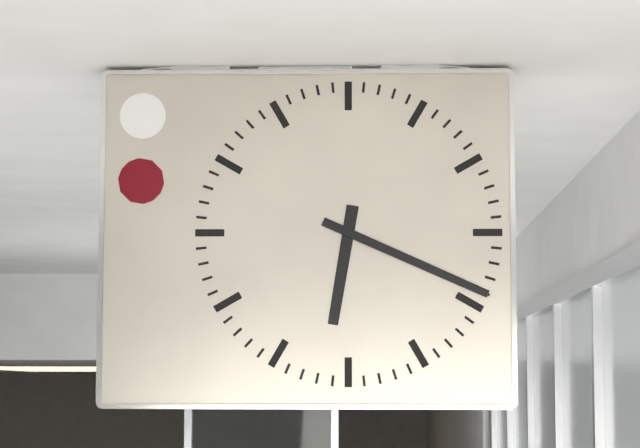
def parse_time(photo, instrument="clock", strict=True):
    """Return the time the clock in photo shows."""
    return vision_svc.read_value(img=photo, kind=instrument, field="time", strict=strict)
6:19
